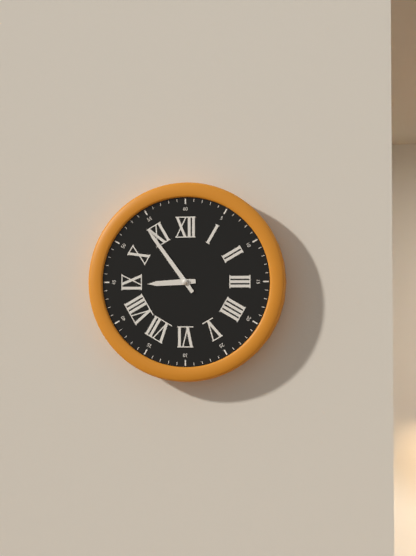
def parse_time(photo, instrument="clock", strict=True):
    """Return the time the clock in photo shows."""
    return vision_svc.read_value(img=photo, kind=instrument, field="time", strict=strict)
8:54
